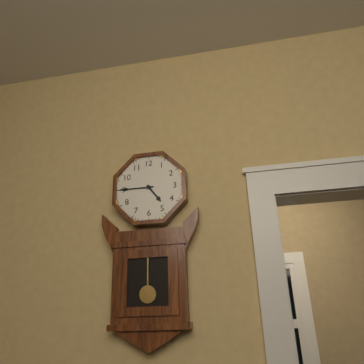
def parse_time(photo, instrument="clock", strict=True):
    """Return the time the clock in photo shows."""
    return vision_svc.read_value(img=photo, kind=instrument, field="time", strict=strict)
4:45
